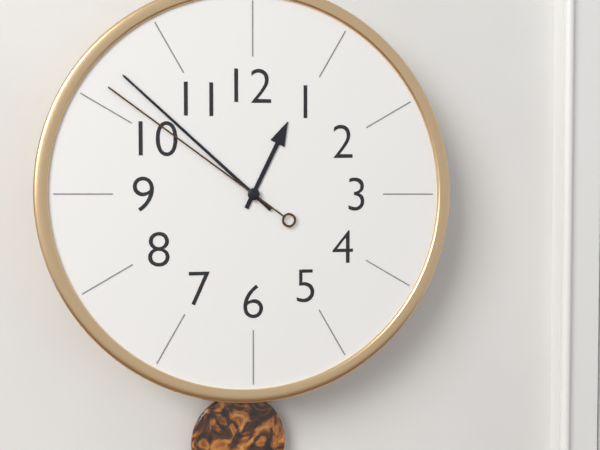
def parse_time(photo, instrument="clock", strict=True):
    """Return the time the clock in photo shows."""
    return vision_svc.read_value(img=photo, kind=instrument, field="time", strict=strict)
12:52:51
